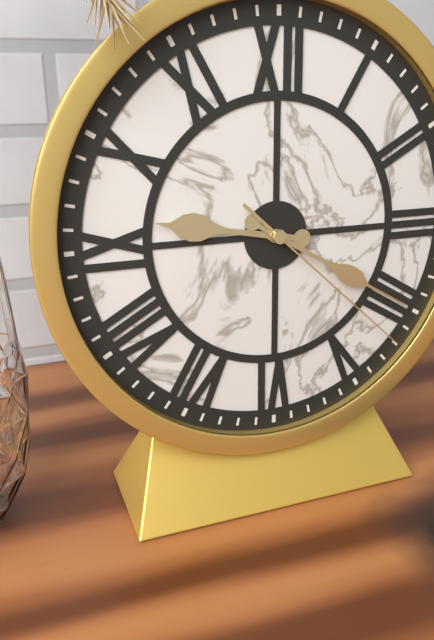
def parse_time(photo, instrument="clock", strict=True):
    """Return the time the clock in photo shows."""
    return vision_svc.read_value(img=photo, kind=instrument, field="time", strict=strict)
9:20:22
